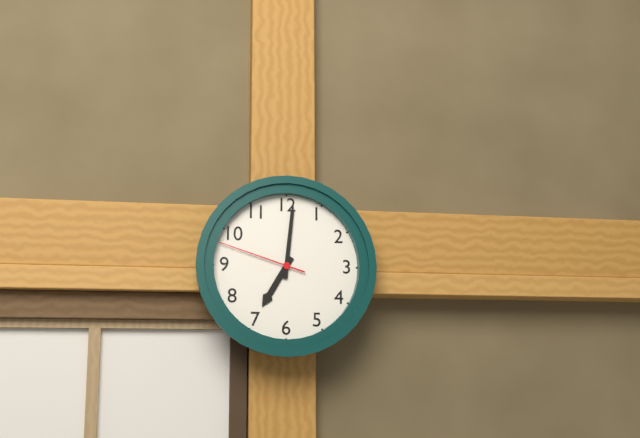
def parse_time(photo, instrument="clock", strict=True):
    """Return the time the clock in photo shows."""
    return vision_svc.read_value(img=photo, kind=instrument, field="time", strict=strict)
7:01:48
